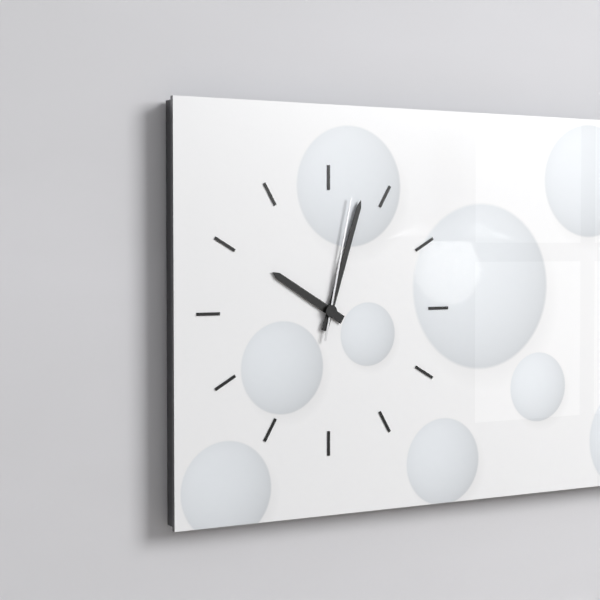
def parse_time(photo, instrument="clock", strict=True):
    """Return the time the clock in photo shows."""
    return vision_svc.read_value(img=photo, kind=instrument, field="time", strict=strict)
10:03:02
